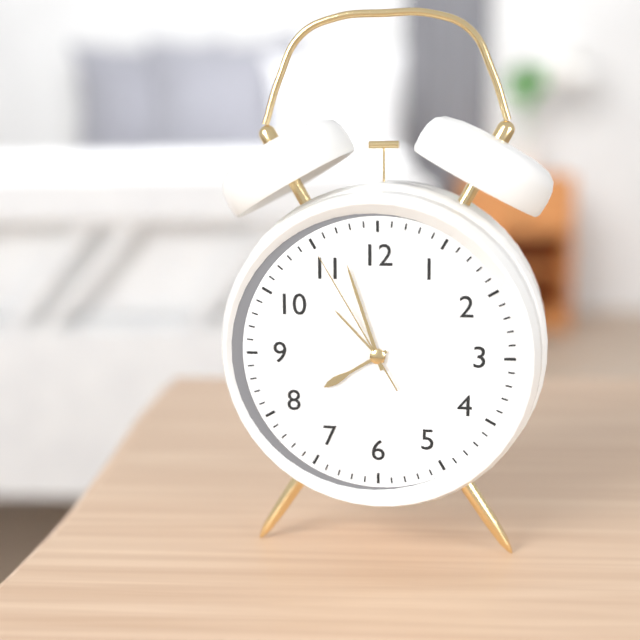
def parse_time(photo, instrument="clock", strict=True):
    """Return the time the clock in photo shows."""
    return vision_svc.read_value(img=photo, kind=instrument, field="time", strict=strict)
7:57:55
